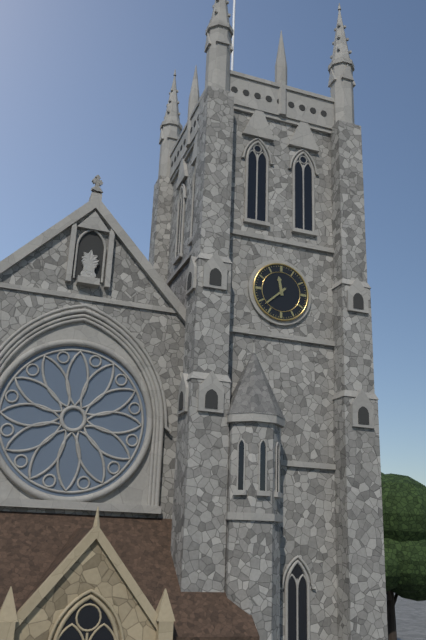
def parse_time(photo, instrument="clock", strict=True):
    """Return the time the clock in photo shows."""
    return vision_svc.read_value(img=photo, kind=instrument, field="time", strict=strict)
11:38
